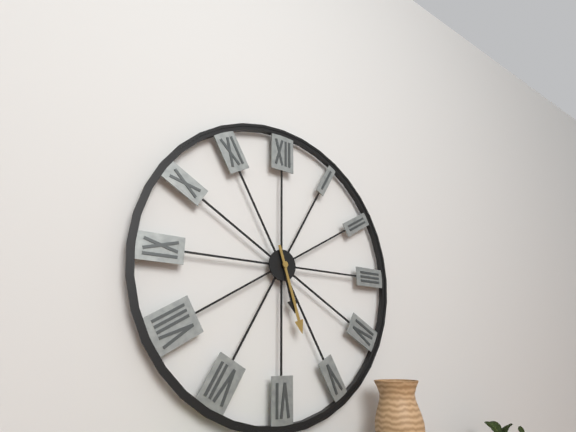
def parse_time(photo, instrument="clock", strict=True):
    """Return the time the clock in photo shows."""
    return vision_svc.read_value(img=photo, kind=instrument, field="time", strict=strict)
5:27
